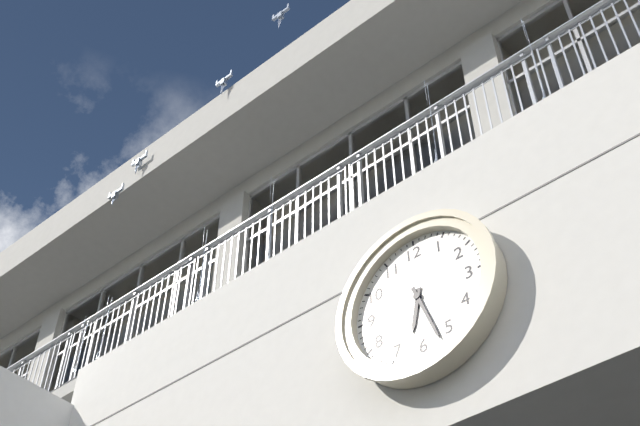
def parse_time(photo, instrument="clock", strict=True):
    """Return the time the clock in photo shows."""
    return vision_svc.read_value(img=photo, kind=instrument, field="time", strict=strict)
6:27
